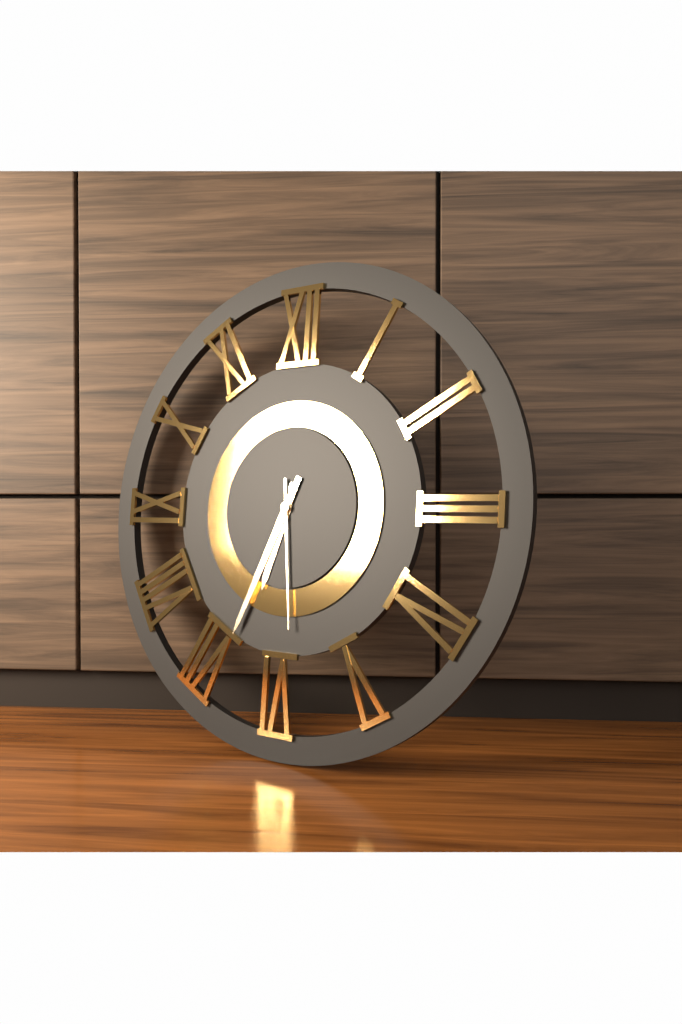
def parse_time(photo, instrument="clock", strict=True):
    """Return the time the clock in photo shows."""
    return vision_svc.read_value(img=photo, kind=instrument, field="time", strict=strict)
6:34:29
